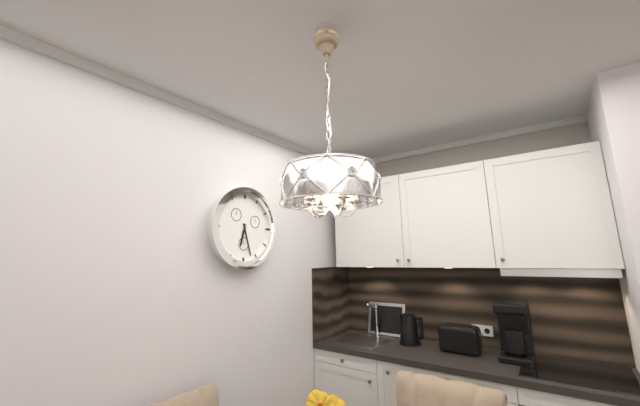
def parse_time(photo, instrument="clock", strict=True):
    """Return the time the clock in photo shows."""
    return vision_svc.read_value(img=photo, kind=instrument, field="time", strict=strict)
6:27
